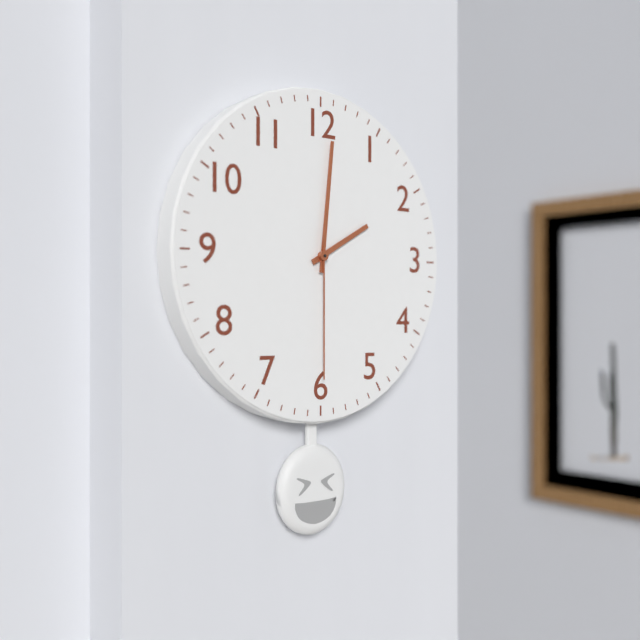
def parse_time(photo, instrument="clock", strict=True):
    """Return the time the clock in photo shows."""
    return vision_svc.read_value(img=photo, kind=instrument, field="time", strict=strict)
2:01:30
